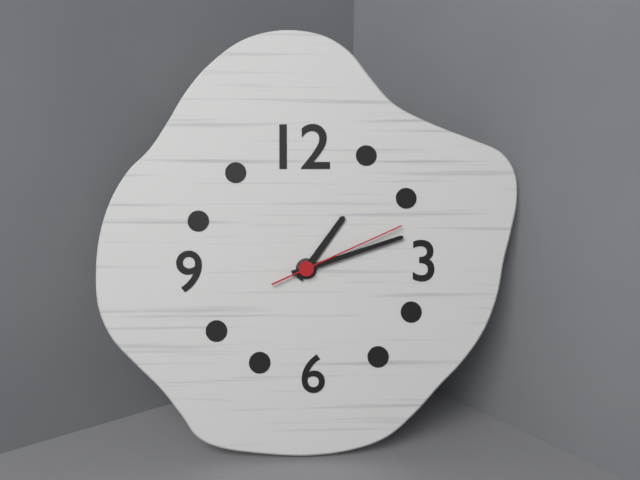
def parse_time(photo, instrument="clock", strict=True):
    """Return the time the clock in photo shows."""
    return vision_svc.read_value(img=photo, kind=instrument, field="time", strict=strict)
1:12:11
